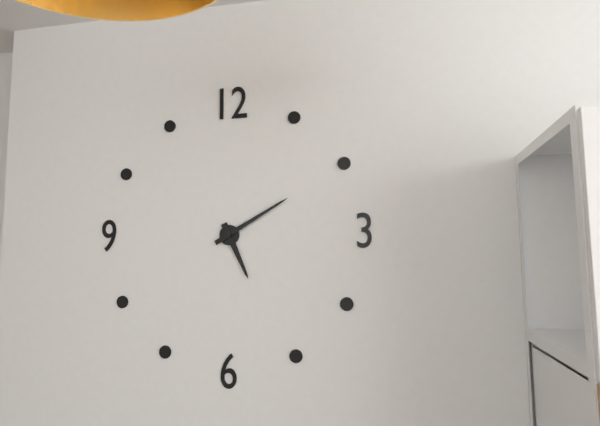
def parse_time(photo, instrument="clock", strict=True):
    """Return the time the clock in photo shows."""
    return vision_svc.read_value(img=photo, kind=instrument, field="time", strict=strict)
5:10
